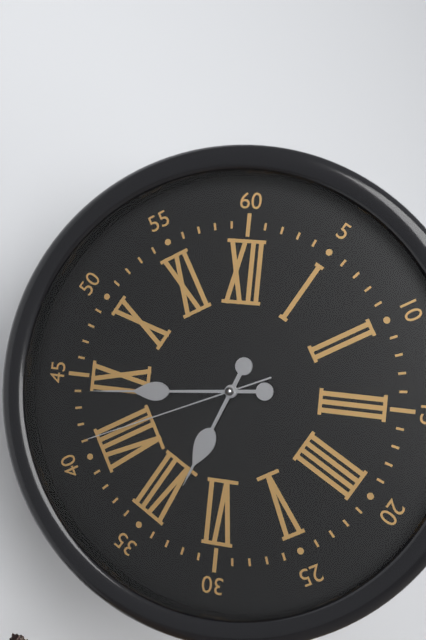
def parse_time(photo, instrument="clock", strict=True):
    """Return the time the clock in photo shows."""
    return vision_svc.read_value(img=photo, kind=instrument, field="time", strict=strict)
6:44:41
